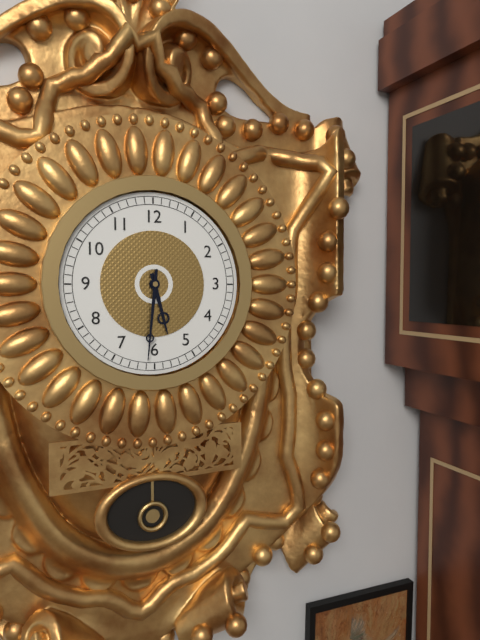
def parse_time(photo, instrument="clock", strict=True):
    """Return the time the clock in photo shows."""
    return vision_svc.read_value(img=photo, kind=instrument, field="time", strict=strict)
5:31
